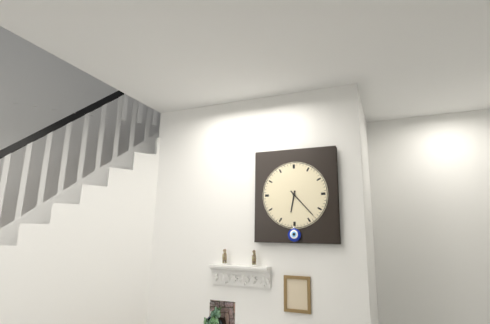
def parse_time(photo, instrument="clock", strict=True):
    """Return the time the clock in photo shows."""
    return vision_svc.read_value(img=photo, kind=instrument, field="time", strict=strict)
6:23
